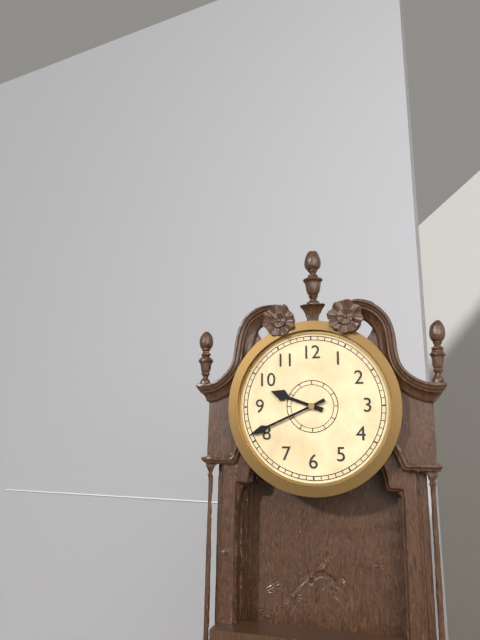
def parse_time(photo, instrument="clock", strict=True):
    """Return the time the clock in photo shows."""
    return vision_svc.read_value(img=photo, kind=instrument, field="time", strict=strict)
9:41
